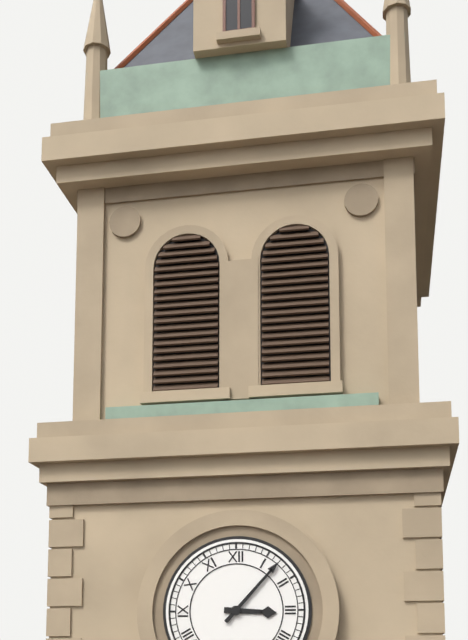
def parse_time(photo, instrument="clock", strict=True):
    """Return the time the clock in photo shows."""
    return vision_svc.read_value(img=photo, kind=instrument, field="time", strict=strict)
3:07
